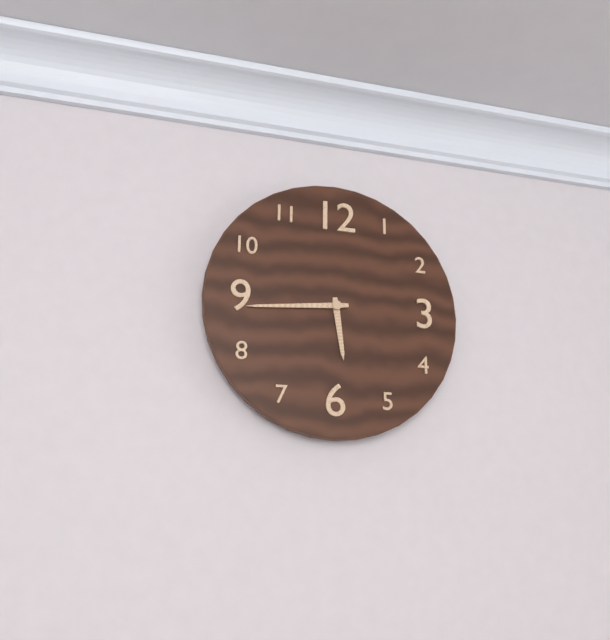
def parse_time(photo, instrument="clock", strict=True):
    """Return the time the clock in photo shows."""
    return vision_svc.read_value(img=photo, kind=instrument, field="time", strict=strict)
5:44
